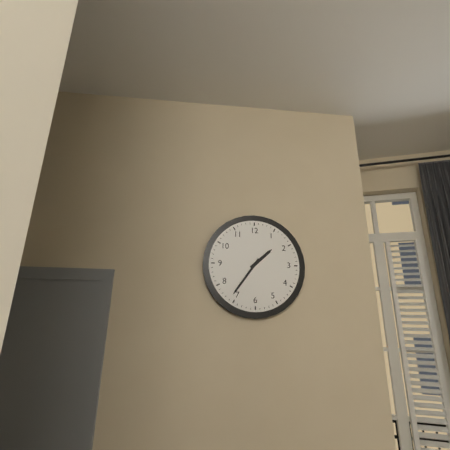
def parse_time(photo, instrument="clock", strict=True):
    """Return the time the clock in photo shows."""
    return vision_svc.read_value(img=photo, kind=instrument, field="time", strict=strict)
1:36
